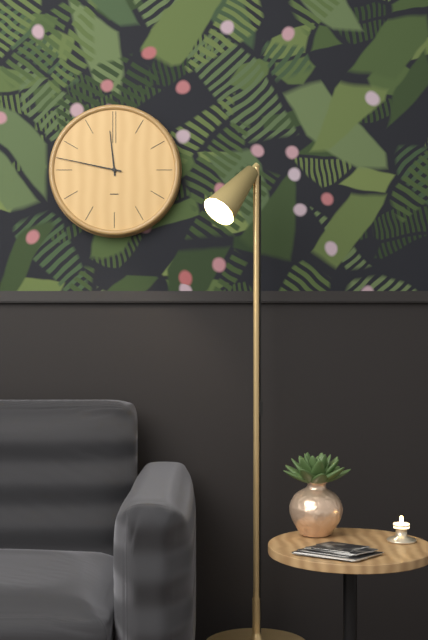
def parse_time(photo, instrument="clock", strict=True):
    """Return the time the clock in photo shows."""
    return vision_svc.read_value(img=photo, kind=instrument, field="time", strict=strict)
11:47
